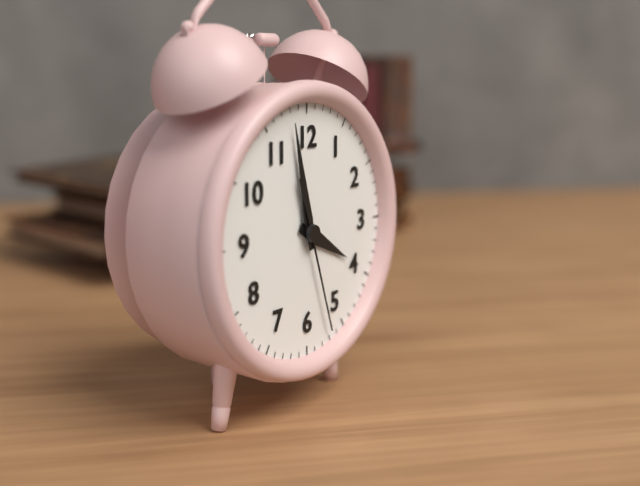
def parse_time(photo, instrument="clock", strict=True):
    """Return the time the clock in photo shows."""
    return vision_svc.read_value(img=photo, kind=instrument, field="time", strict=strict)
3:58:27
